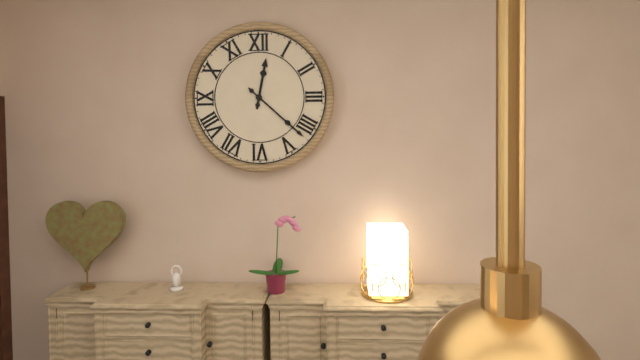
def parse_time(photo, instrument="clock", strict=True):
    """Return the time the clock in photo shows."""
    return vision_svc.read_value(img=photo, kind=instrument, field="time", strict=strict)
12:22
